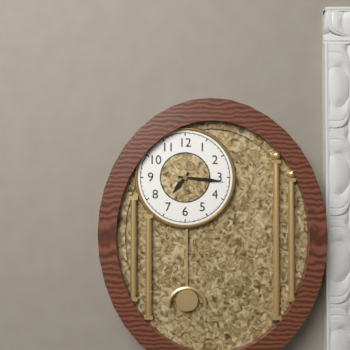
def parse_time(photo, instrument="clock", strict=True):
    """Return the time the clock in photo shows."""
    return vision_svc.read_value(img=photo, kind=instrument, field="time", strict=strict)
7:16
